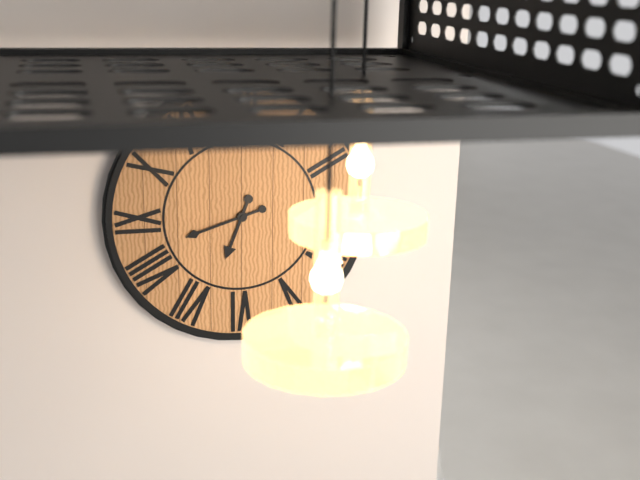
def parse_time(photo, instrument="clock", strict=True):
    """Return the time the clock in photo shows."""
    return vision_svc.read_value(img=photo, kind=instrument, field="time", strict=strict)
6:42
